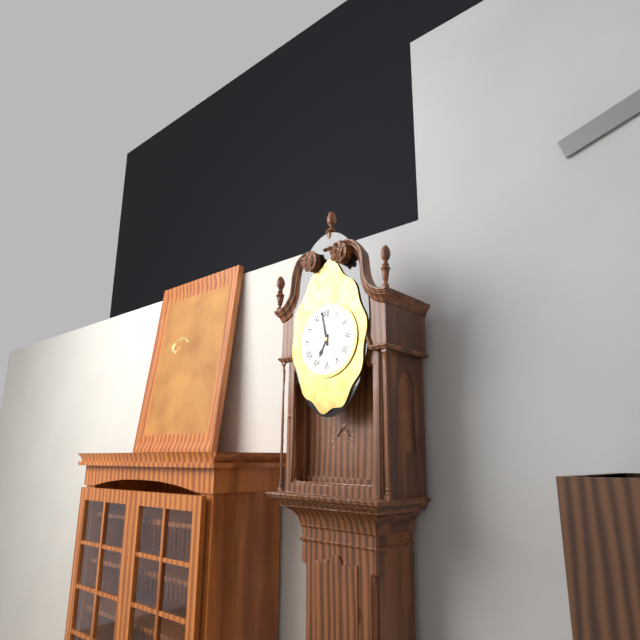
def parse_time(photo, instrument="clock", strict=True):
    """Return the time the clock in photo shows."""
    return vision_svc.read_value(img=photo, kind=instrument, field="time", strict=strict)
6:58
